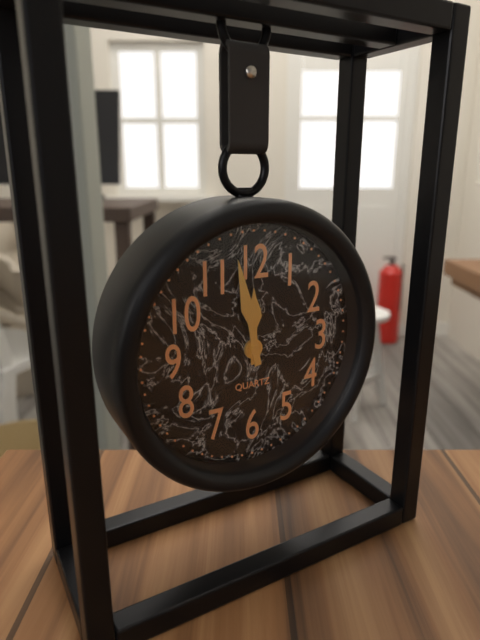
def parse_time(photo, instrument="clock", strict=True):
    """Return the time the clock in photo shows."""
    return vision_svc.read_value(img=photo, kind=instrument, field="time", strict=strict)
11:58
